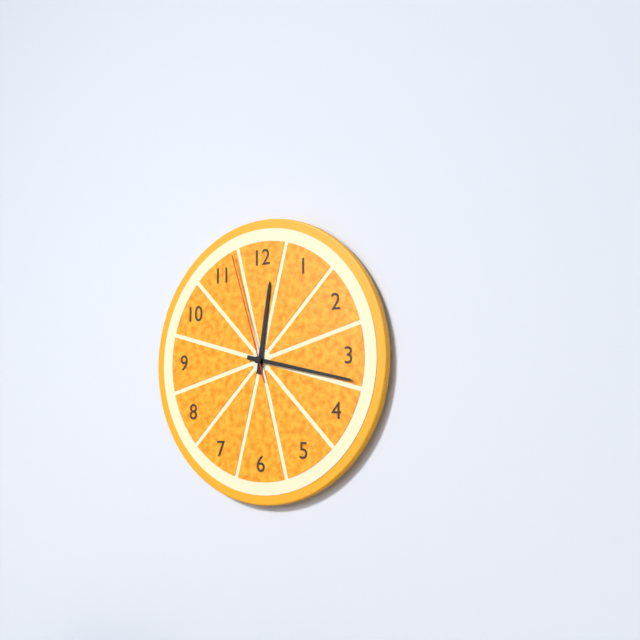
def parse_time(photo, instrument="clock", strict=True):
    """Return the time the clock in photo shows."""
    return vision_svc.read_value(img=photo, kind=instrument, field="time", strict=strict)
12:17:57
